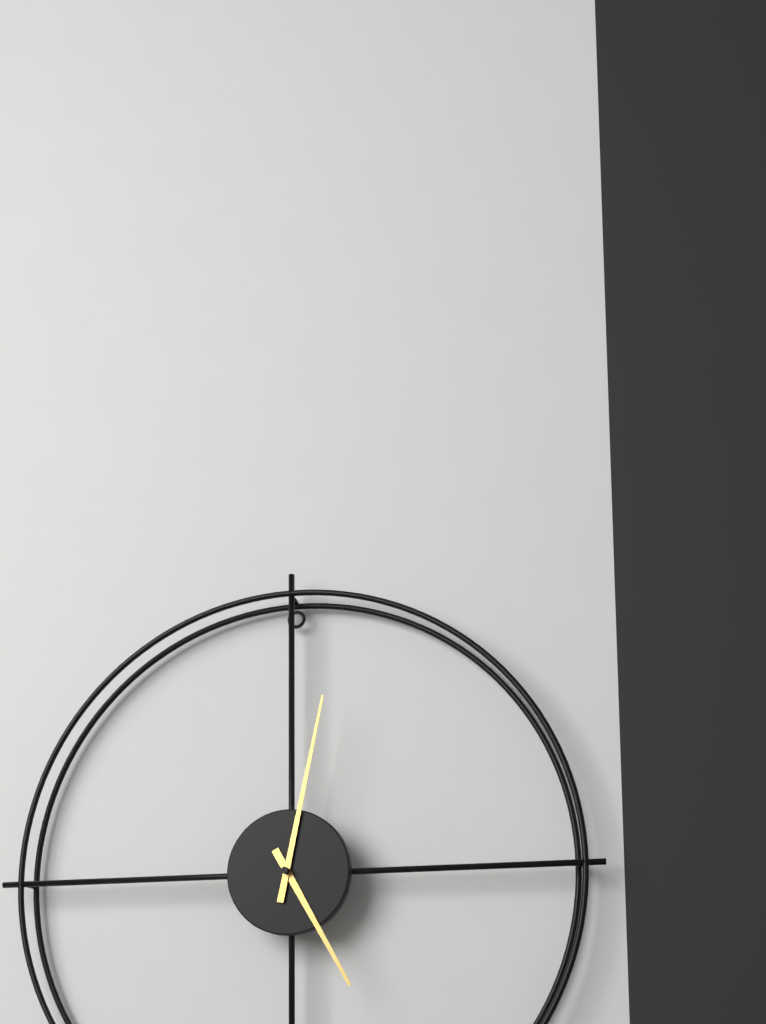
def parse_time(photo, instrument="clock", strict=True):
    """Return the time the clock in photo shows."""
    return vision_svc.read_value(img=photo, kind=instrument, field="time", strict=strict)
5:02
